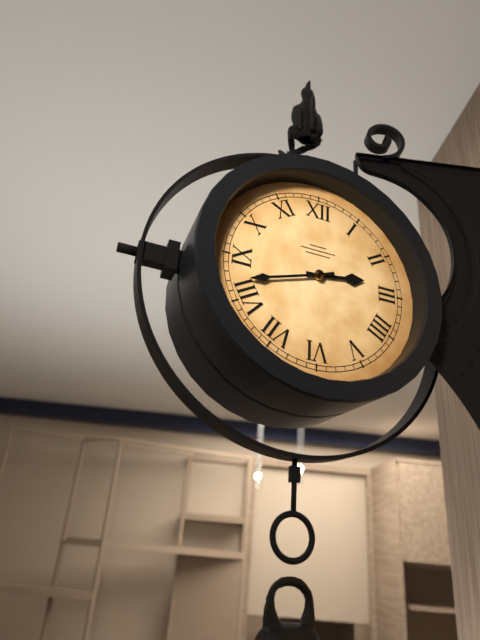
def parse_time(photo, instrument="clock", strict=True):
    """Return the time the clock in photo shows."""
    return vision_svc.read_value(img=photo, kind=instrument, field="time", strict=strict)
2:42
